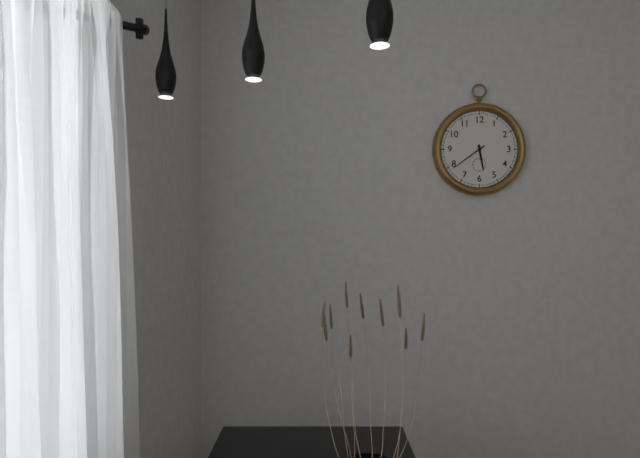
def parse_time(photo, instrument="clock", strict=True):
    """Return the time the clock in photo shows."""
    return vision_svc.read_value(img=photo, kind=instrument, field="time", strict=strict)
5:39
